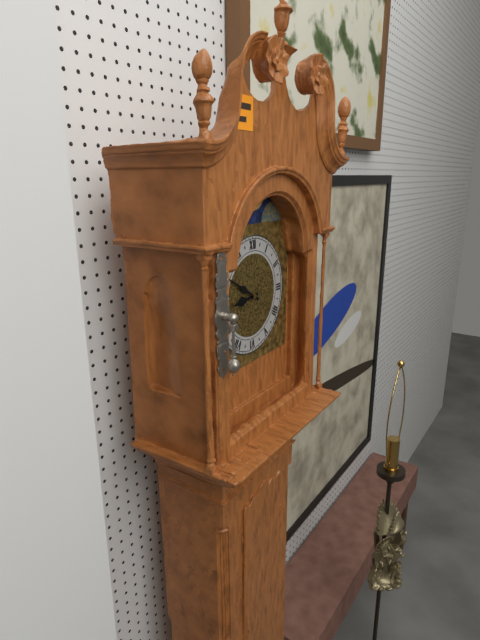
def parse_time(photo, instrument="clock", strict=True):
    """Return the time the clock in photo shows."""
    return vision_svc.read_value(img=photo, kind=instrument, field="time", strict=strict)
8:50
